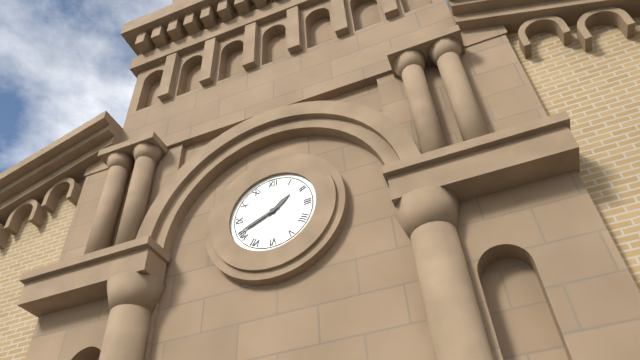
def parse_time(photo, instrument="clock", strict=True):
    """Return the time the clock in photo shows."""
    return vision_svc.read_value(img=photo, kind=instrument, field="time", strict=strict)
1:41
